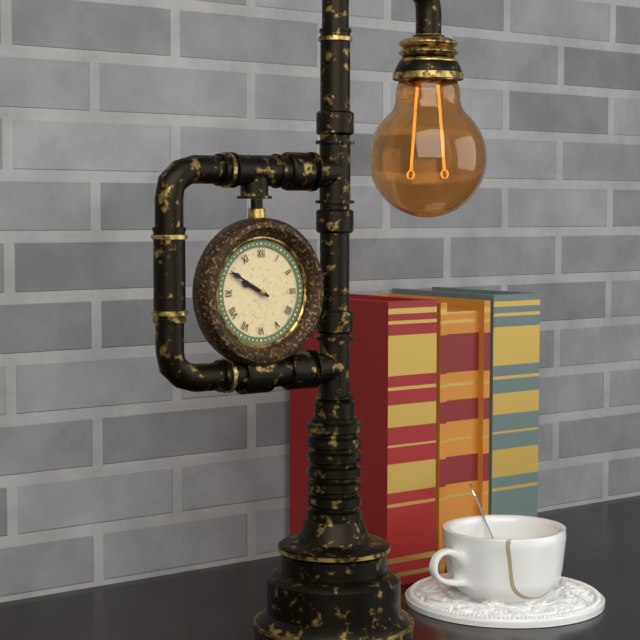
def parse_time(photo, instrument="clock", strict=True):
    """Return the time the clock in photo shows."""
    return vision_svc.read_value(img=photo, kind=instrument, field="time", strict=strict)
9:50
